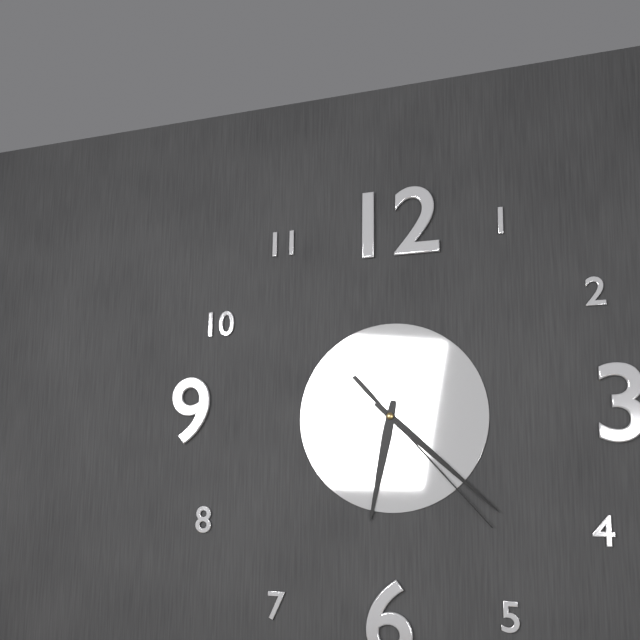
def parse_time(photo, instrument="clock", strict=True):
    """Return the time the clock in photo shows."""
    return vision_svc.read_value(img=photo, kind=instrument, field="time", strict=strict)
6:22:23
